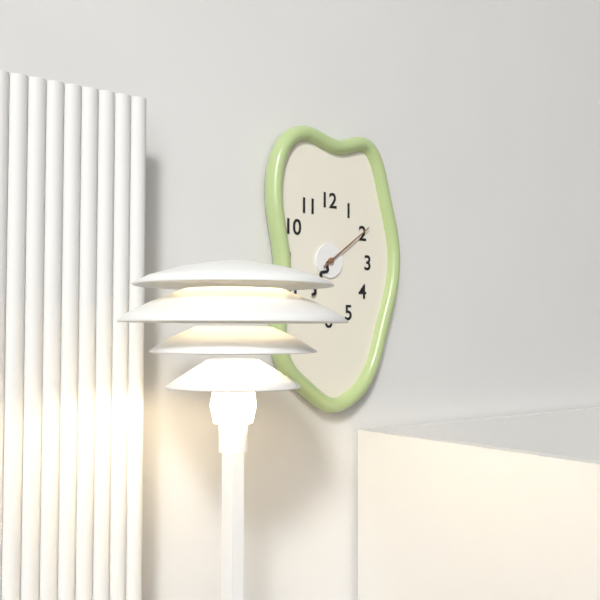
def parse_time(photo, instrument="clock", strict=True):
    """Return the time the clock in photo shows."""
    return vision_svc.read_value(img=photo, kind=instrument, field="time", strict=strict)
7:09
